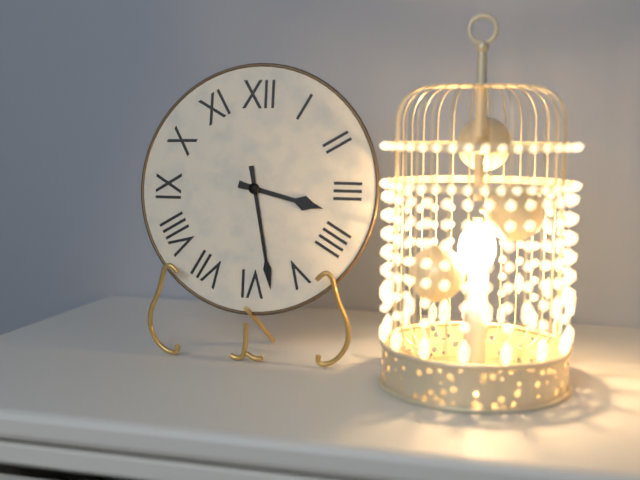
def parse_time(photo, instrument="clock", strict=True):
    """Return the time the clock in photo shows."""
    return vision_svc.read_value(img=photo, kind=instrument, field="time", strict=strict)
3:28
